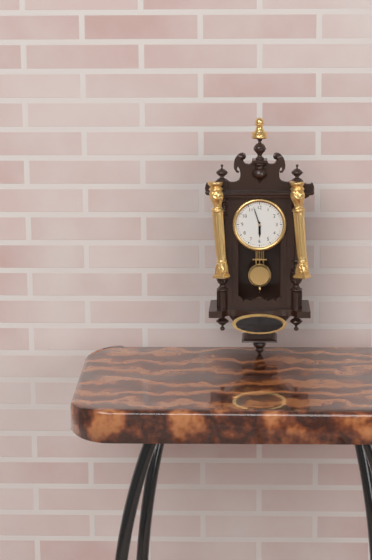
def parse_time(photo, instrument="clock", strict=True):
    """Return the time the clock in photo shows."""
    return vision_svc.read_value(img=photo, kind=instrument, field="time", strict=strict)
5:57
